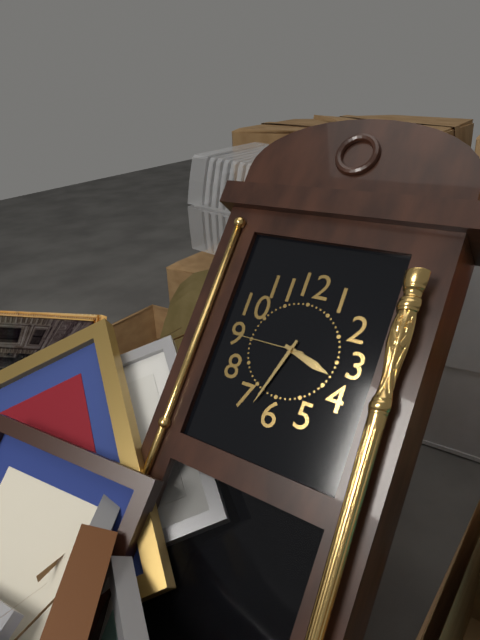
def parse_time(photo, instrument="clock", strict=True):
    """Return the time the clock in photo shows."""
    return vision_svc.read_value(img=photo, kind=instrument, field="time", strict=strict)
3:33:45
